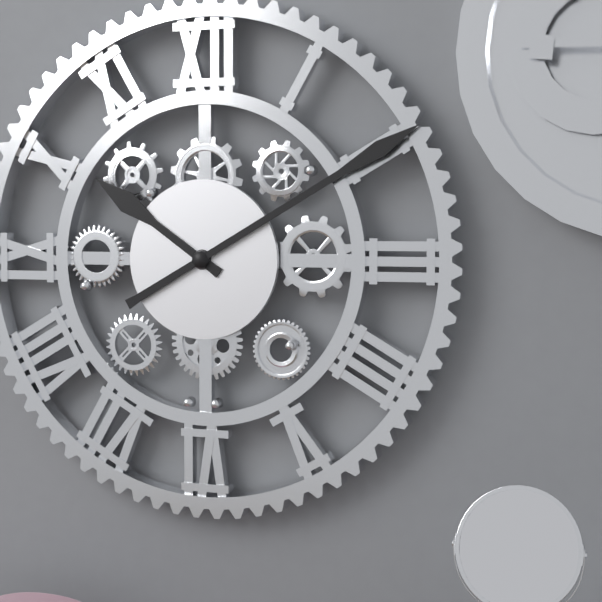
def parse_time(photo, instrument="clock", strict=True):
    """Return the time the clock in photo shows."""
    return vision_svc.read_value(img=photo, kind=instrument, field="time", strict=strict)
10:10
